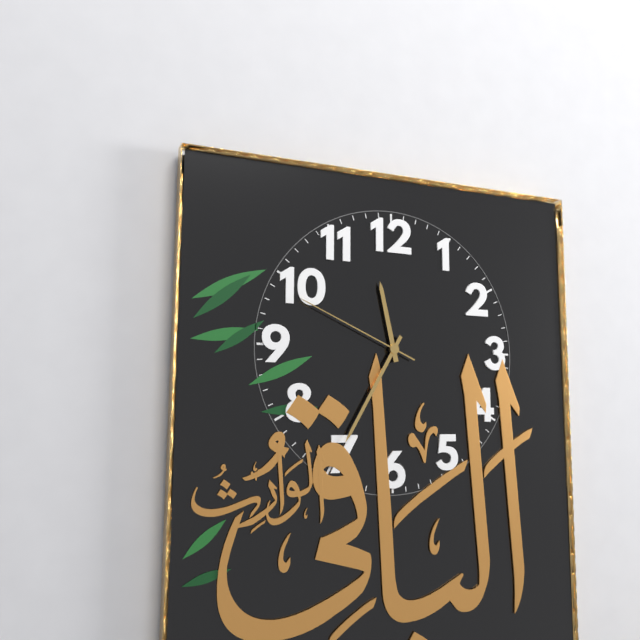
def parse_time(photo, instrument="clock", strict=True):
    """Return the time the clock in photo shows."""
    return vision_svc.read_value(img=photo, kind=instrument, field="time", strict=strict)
11:35:49
